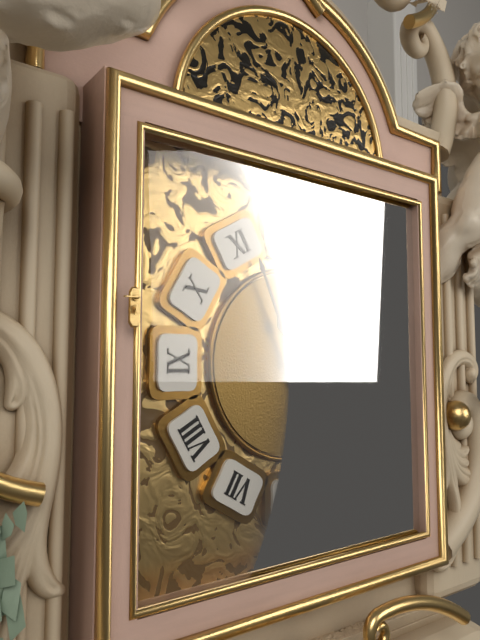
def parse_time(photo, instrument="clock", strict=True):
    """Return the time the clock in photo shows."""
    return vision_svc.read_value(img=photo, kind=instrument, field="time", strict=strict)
4:56
